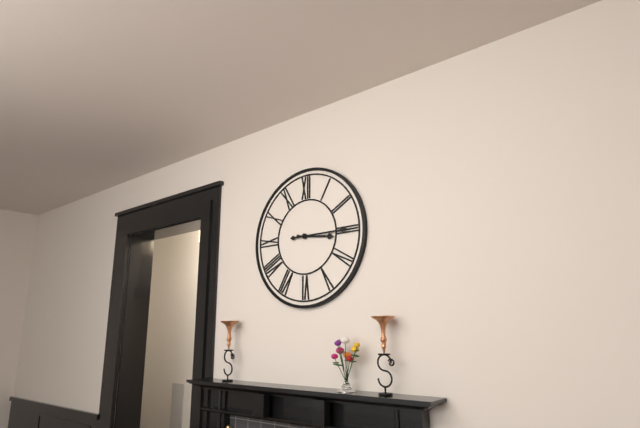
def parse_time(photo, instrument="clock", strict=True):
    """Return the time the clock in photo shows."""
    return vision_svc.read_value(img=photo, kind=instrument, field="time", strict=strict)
3:15
